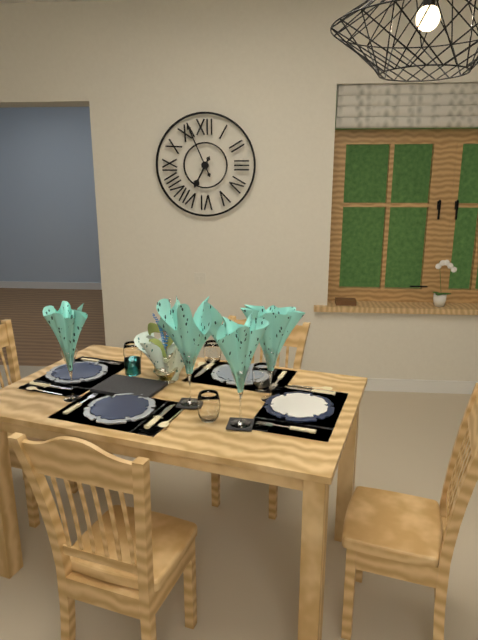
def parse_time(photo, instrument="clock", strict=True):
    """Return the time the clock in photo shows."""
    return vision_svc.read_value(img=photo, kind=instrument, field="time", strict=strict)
6:56
